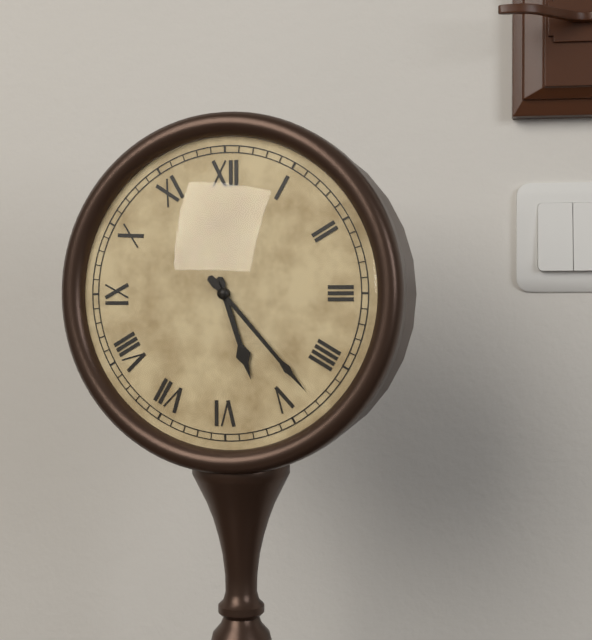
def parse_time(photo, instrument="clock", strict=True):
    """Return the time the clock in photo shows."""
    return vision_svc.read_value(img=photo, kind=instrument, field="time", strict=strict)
5:23
